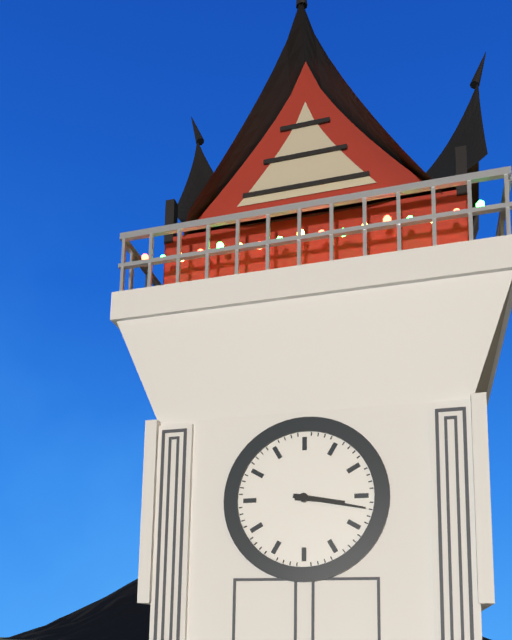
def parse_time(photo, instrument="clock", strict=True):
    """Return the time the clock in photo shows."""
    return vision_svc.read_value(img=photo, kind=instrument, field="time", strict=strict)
3:17
